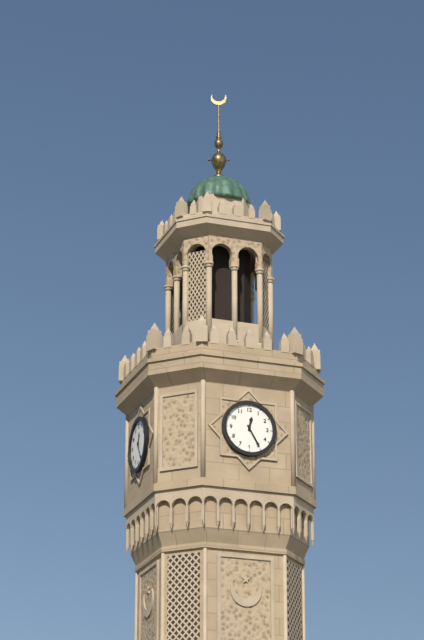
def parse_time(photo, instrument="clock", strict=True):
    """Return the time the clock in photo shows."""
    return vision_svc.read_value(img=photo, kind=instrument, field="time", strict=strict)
12:25
